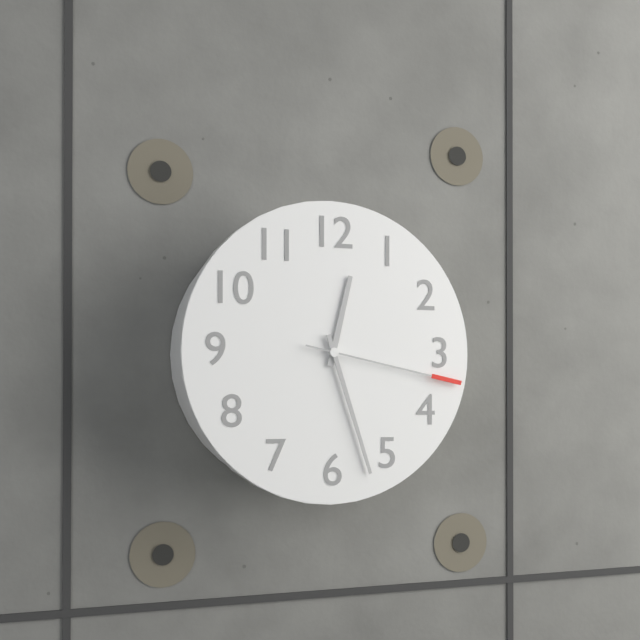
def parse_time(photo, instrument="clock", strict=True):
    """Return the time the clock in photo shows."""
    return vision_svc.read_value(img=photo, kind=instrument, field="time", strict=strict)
12:27:17
